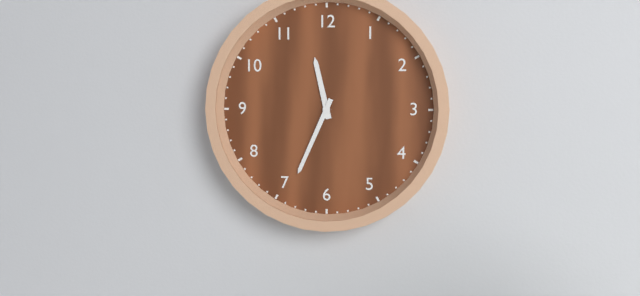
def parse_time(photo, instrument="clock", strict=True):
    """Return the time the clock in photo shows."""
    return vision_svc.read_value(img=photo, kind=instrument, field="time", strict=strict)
11:34
